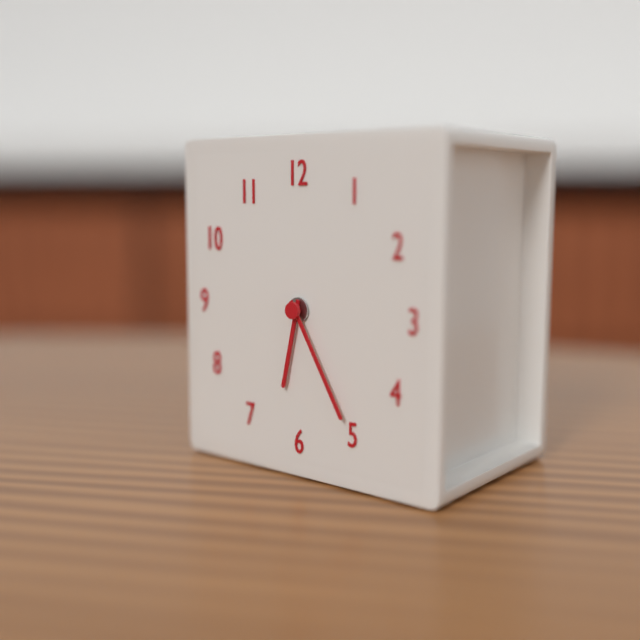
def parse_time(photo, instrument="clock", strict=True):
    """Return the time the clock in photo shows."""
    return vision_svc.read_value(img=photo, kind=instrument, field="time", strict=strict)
6:25
